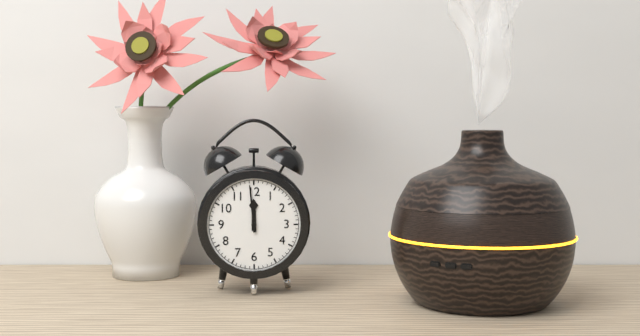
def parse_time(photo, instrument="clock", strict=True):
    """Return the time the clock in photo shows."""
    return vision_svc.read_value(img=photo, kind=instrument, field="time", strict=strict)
11:59
